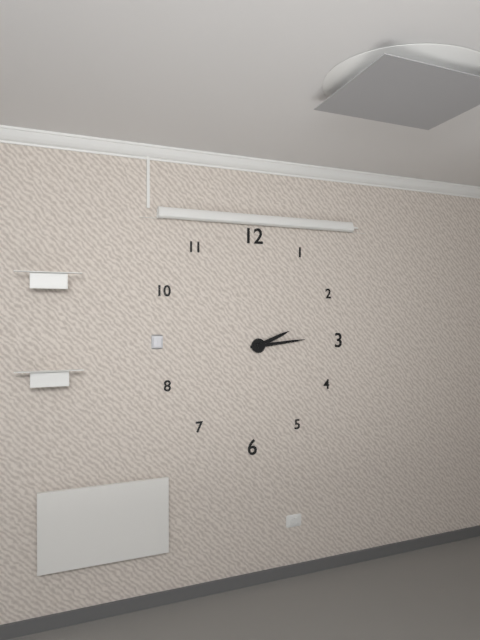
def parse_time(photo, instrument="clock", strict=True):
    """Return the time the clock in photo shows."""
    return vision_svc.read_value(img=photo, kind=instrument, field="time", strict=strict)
2:14
